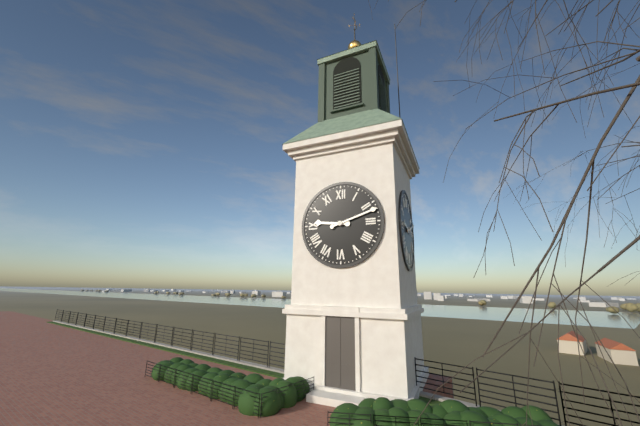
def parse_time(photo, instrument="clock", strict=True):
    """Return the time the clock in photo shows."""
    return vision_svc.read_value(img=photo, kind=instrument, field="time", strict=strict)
9:12
